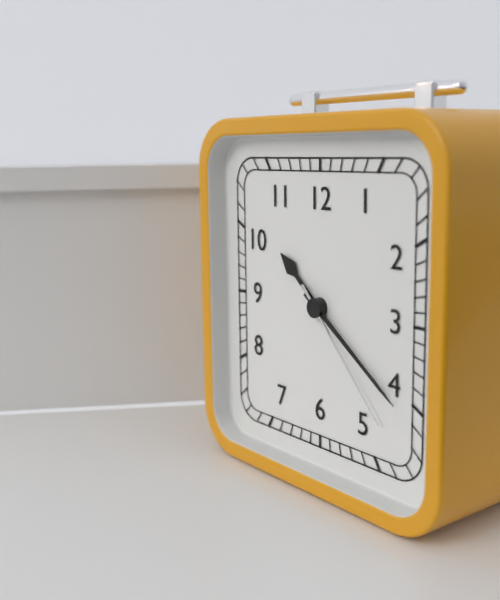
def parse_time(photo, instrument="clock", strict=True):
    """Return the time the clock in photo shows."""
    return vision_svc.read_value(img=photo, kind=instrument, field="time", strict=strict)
10:21:23
